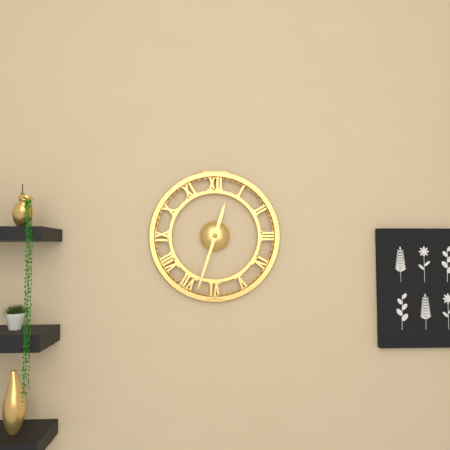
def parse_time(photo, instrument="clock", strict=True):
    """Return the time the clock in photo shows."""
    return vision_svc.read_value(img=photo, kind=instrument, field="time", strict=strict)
12:33
